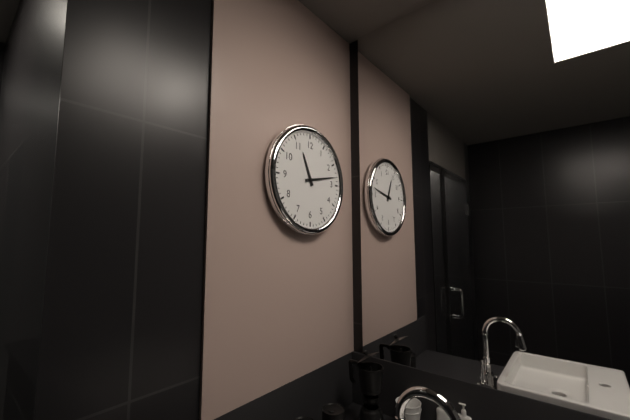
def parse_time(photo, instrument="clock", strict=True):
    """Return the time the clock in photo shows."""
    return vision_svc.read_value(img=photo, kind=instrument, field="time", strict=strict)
11:13
